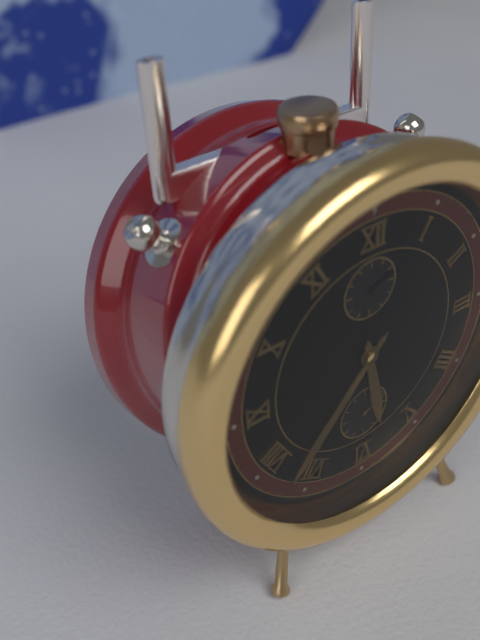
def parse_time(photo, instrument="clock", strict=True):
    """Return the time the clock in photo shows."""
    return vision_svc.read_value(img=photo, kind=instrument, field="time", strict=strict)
5:37:11
